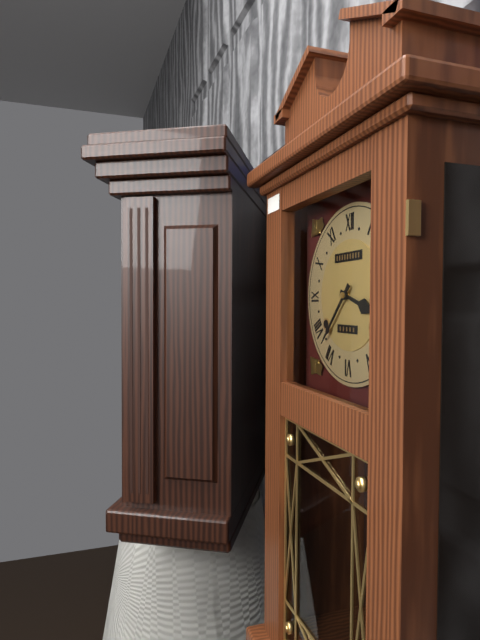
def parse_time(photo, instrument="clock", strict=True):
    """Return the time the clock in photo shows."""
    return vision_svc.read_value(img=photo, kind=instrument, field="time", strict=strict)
3:37
